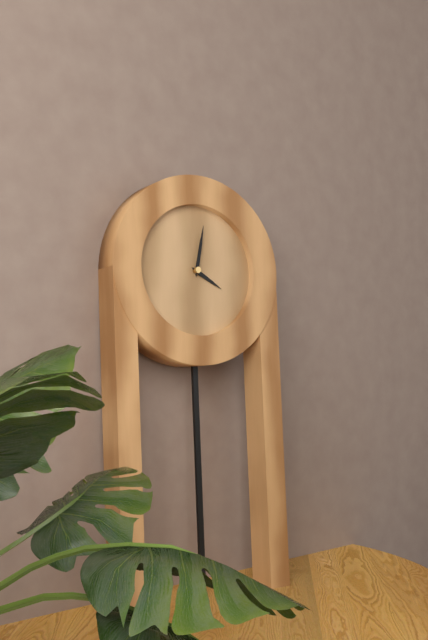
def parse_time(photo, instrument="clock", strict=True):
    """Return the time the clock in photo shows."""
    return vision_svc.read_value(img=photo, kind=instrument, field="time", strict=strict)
4:02
